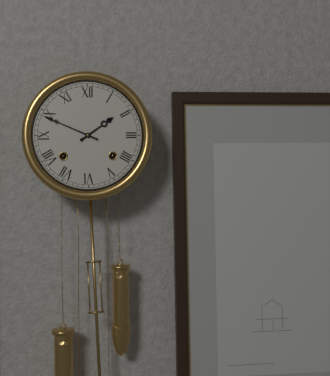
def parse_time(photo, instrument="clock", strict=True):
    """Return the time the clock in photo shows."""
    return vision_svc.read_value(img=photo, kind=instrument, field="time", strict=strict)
1:49
